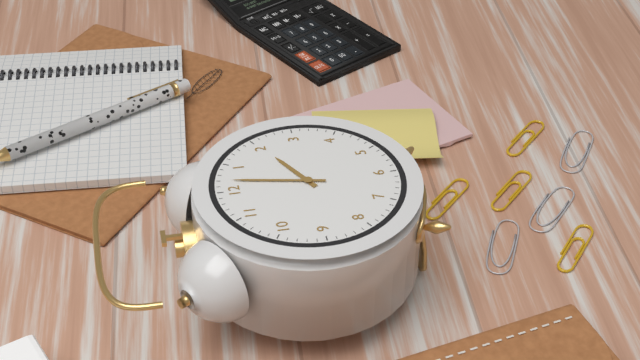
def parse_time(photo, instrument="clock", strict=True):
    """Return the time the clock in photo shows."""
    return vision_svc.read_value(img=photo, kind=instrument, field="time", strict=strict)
2:02
